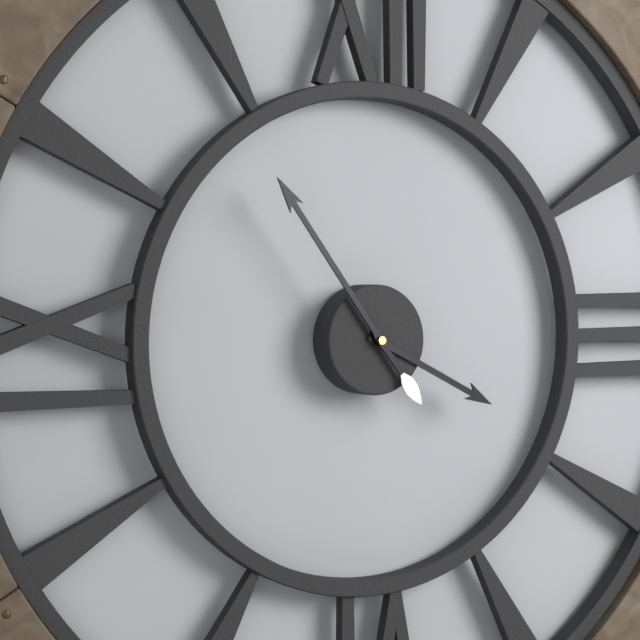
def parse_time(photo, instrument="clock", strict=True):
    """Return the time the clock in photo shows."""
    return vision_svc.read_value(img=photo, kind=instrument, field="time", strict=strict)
3:54
